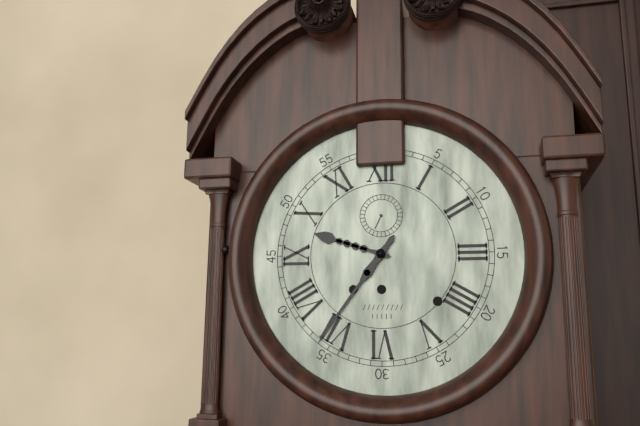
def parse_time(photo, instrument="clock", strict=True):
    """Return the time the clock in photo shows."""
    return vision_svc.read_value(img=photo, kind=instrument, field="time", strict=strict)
9:36
